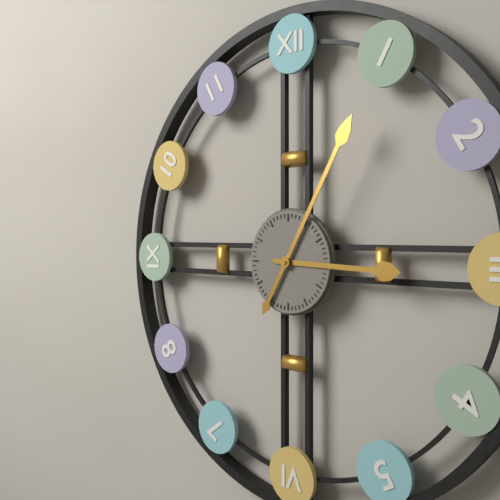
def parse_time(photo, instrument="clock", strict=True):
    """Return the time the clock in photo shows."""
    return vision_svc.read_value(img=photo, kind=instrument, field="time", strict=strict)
3:05
